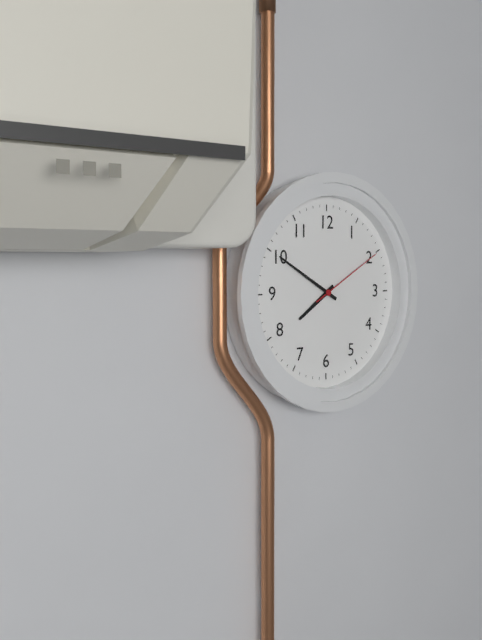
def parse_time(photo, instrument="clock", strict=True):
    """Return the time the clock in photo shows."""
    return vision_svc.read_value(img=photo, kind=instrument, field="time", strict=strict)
7:50:10
